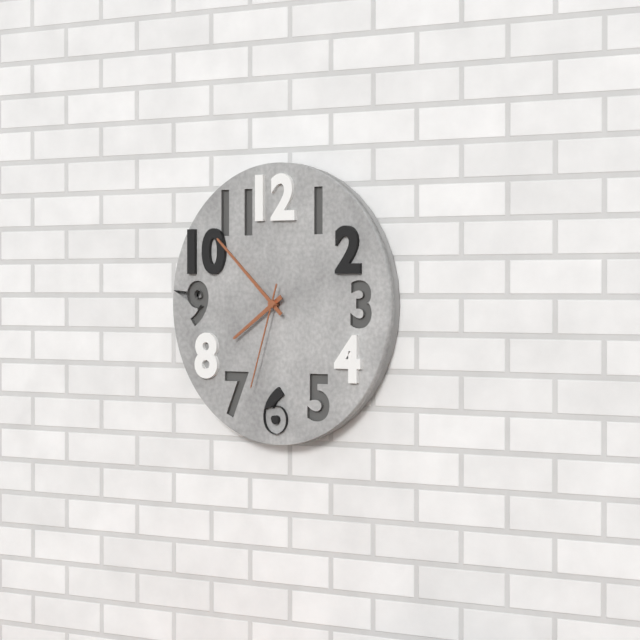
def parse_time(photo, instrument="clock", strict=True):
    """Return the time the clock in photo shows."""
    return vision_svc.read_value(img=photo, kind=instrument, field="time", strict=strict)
7:52:33
